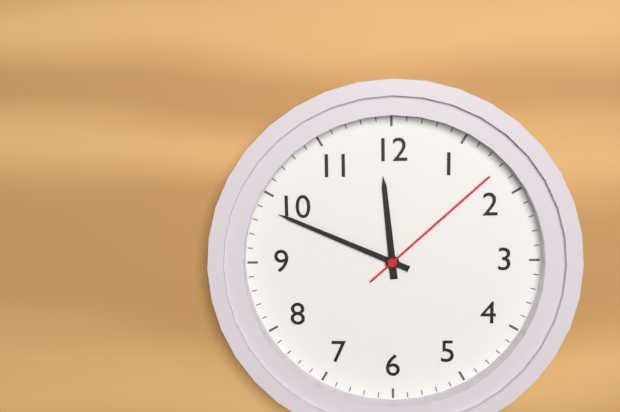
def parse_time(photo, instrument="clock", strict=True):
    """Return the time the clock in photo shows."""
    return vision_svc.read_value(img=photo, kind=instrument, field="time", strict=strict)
11:49:08
